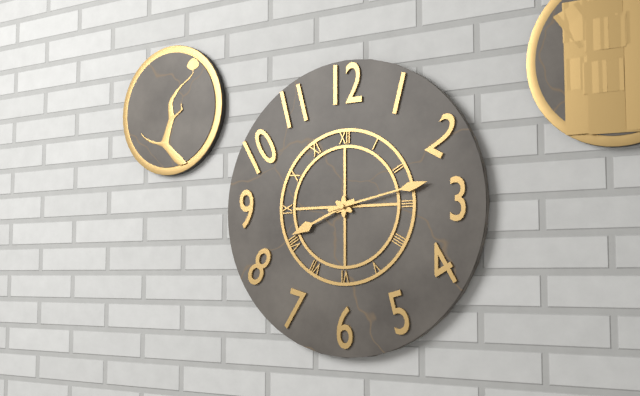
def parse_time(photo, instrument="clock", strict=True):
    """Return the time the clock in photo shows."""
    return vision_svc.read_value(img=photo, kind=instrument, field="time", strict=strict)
8:13
